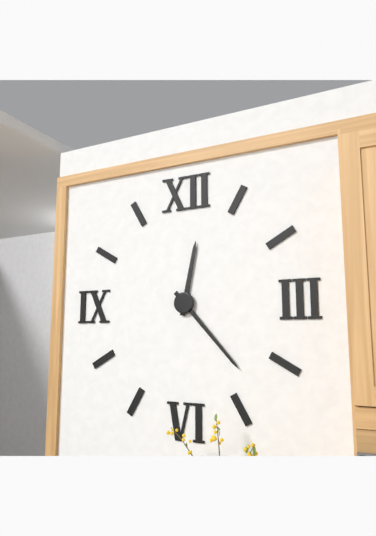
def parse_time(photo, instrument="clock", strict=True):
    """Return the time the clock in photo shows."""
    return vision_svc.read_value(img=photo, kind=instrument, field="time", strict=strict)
12:23
